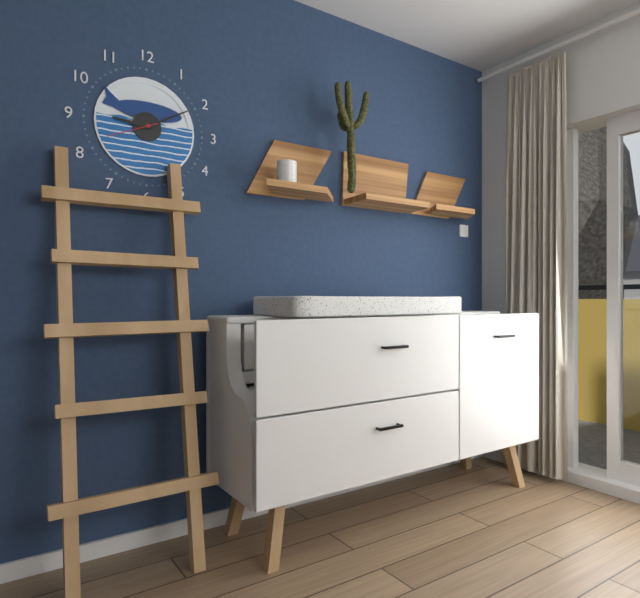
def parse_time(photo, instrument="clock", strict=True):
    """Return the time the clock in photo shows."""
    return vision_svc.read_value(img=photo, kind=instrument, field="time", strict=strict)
9:10:41
